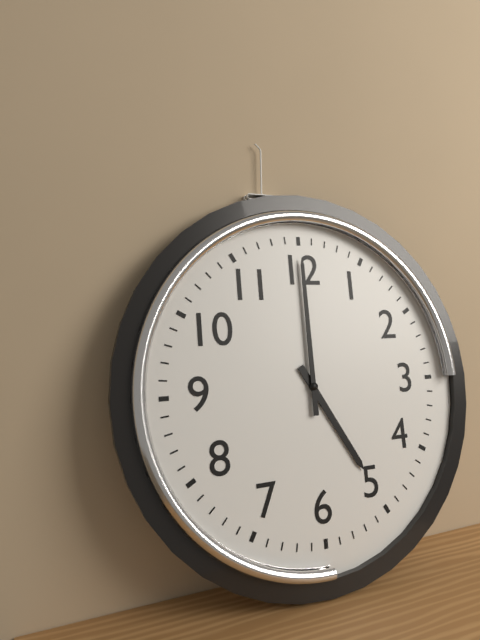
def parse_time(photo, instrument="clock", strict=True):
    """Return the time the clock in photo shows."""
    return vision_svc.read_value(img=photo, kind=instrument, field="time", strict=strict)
5:00
